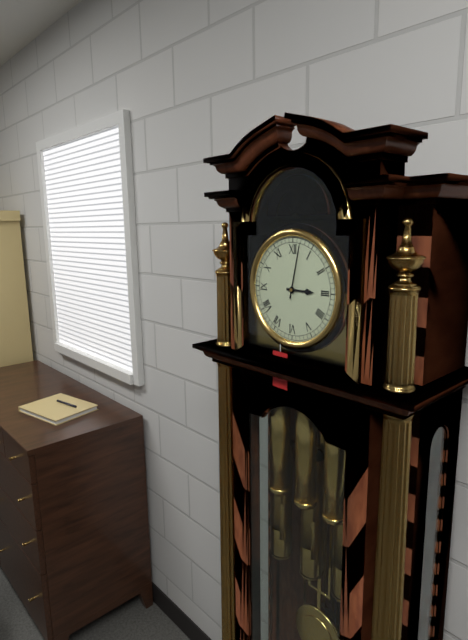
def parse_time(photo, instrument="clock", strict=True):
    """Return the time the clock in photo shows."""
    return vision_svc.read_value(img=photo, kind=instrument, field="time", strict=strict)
3:02
